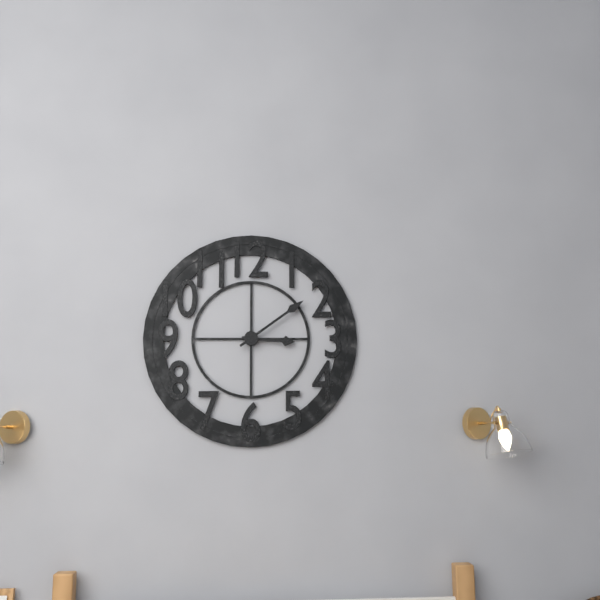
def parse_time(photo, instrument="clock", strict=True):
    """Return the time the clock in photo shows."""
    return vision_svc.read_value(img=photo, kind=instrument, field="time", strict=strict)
3:09
